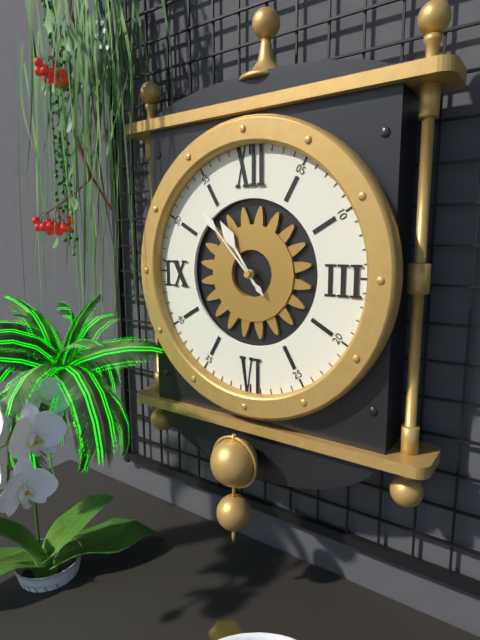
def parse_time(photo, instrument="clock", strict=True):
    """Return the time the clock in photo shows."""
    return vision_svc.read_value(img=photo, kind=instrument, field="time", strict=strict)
10:53
